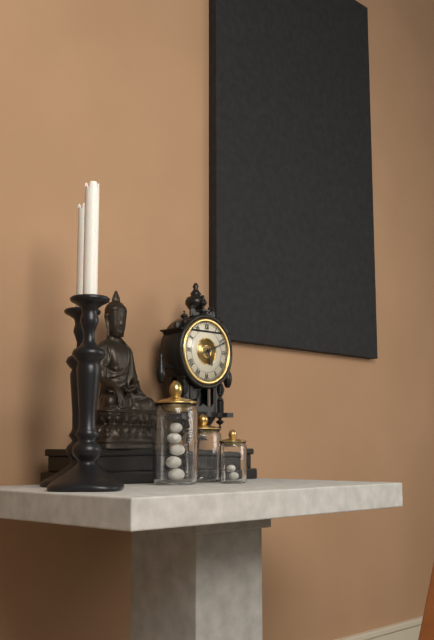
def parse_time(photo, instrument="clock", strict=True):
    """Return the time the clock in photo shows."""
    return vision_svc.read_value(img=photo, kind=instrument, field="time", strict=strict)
5:11
